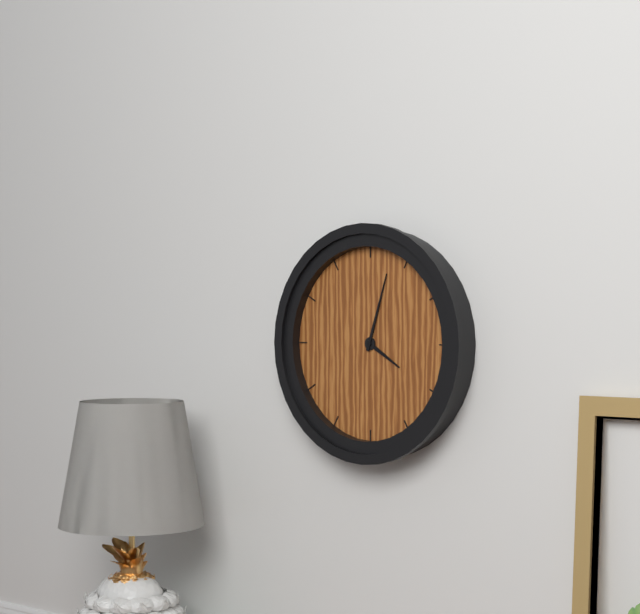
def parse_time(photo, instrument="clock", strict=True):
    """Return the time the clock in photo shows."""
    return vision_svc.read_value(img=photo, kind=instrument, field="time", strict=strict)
4:03
